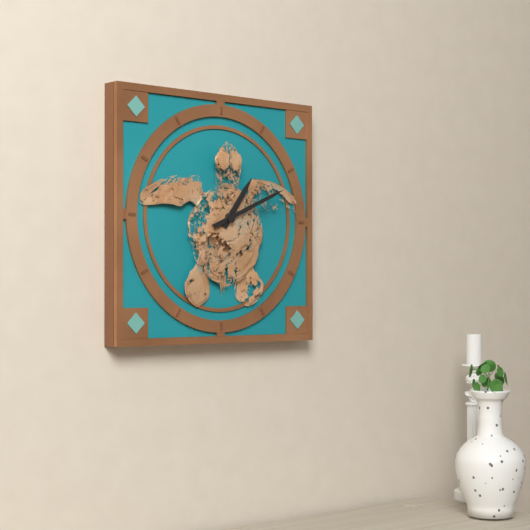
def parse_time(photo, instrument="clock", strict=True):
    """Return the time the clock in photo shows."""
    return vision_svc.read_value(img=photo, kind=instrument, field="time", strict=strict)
1:11
